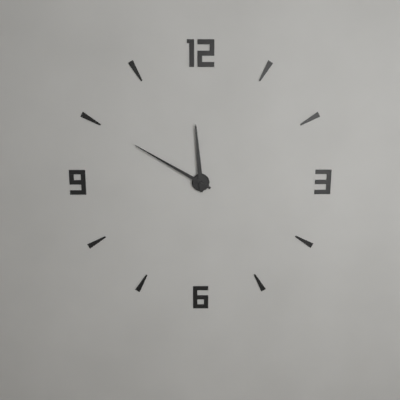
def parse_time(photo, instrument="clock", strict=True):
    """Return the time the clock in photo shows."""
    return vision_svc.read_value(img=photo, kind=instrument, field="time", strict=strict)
11:50
